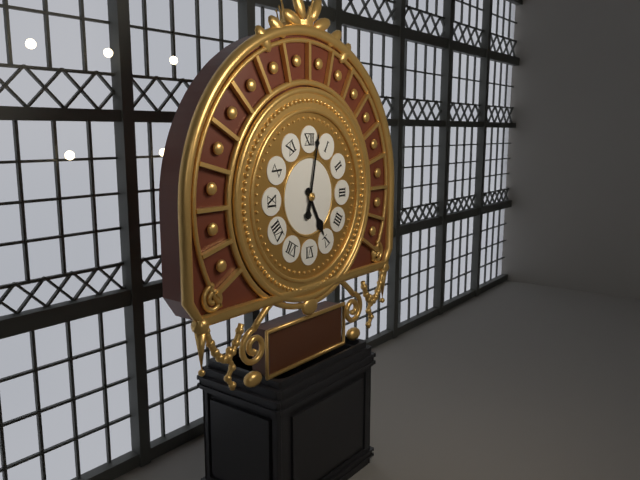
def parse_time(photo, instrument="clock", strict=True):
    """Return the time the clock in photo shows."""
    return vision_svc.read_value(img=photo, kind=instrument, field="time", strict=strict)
5:02
